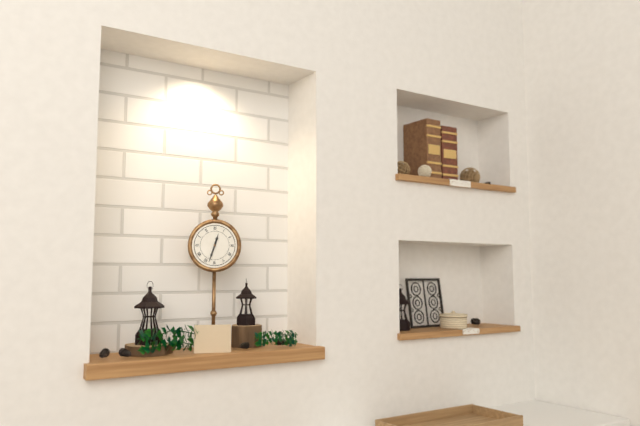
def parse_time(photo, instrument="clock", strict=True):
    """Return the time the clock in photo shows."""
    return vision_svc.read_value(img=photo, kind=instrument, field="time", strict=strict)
12:33
